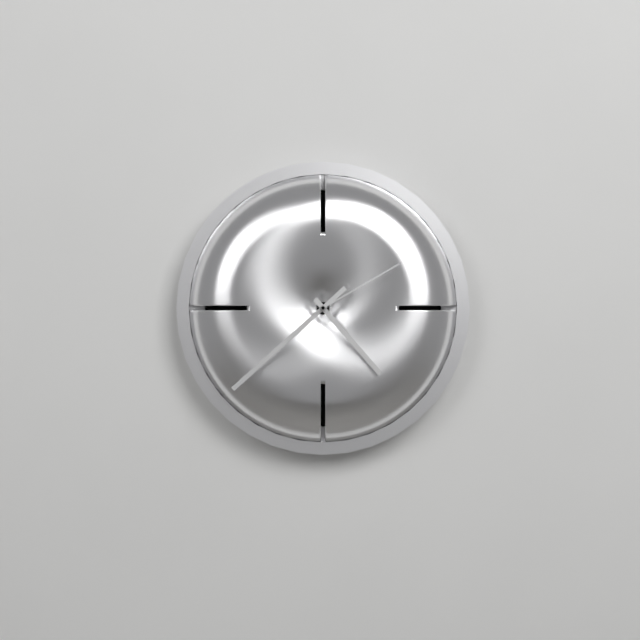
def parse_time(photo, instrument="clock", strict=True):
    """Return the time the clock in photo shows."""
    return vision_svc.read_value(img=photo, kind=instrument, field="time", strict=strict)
4:38:10
